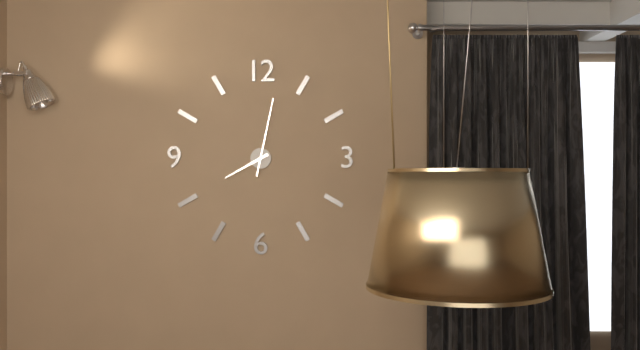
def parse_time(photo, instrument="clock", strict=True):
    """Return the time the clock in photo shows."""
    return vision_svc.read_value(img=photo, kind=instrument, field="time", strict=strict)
8:02
